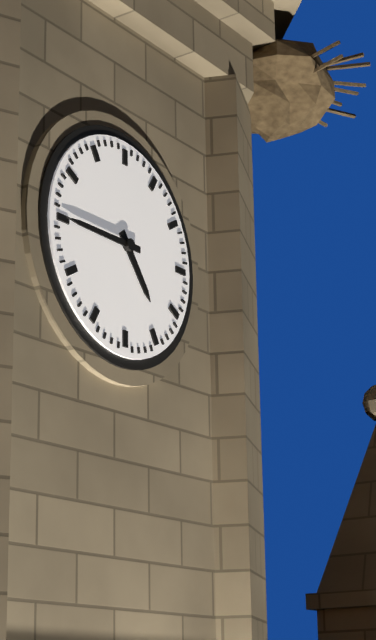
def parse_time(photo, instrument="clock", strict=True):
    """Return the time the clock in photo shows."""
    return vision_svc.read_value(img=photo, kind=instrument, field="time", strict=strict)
4:45
